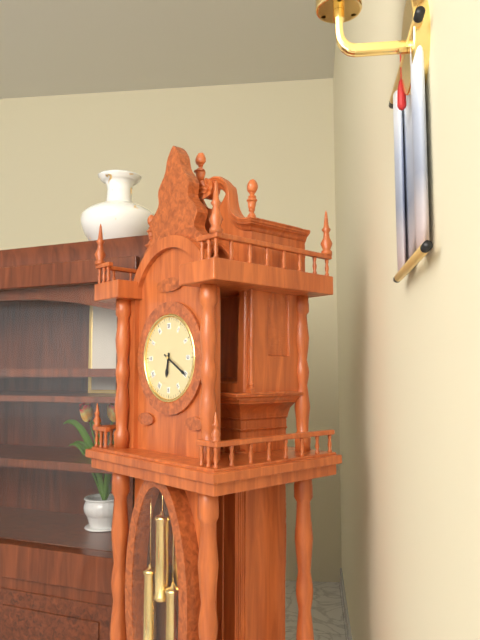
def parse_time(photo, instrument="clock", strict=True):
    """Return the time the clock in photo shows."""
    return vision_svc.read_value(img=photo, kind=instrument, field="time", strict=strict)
6:20
